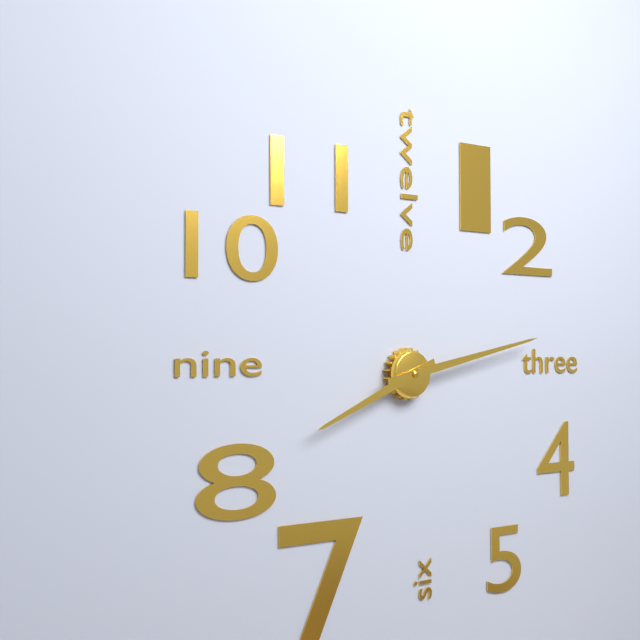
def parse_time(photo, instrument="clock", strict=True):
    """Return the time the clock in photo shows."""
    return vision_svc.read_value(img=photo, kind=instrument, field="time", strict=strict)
8:13
